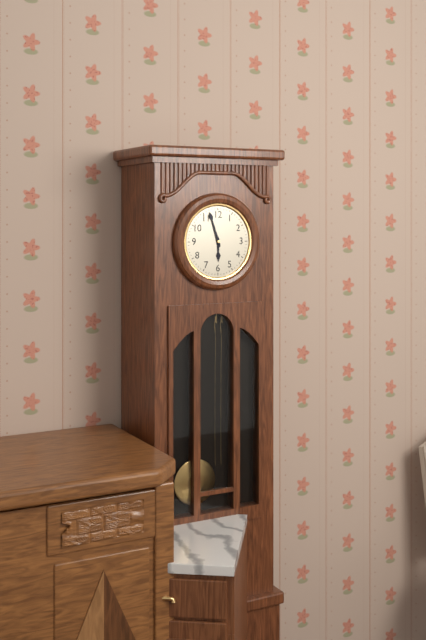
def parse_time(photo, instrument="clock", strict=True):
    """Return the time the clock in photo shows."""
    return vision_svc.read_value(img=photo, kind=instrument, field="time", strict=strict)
5:57
